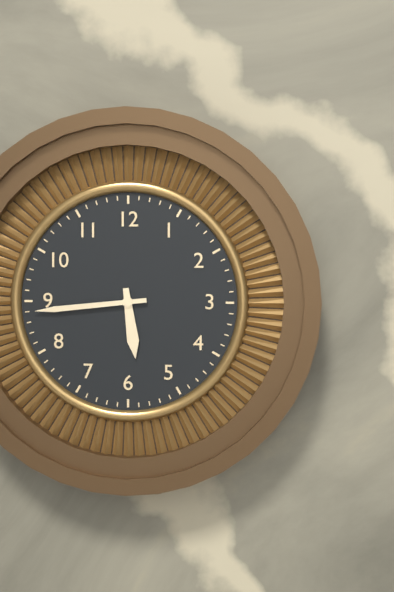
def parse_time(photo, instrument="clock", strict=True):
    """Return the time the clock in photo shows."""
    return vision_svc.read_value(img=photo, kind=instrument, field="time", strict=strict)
5:44
